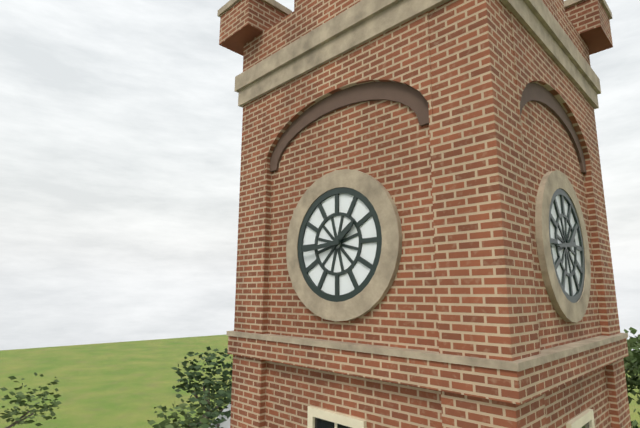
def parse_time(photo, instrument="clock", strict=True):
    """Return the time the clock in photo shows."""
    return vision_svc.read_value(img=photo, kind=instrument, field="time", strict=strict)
1:44
